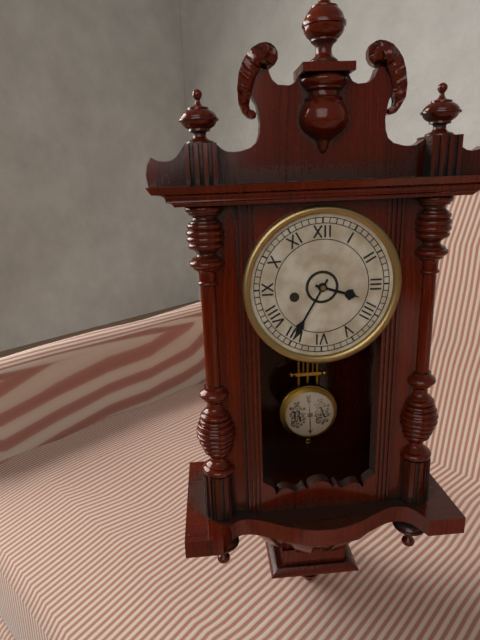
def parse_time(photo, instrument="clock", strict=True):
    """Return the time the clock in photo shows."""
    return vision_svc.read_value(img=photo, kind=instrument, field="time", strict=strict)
3:35
